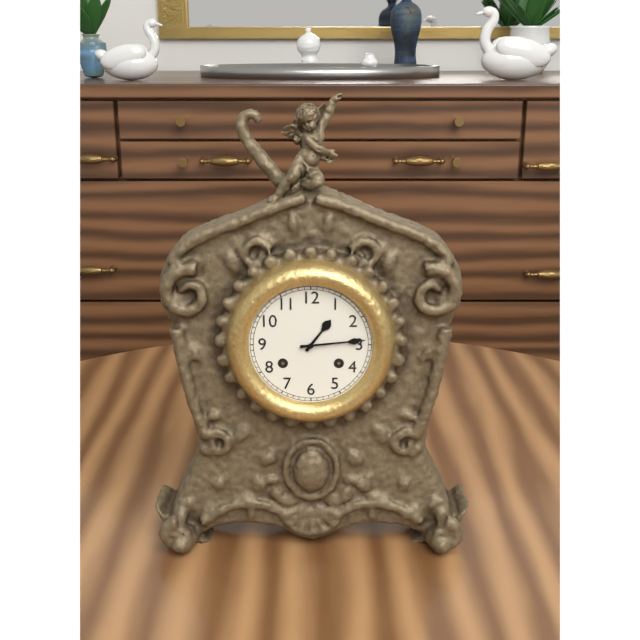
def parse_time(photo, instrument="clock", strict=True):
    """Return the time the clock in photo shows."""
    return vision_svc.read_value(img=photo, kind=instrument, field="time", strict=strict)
1:14
